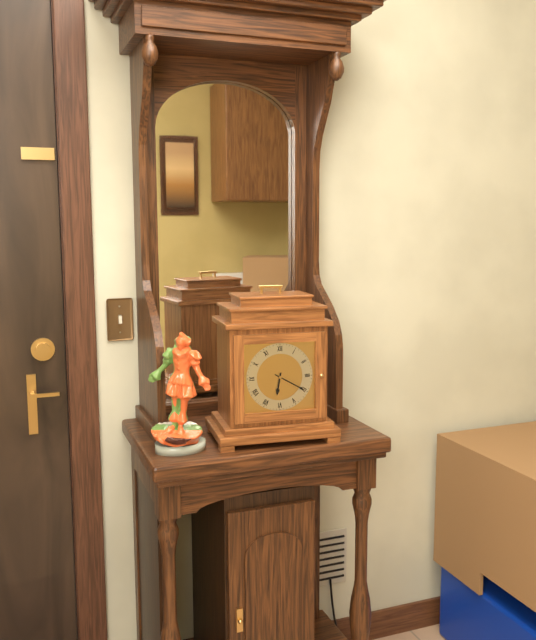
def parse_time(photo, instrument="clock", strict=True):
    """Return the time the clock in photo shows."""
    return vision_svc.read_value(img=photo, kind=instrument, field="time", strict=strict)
6:20
